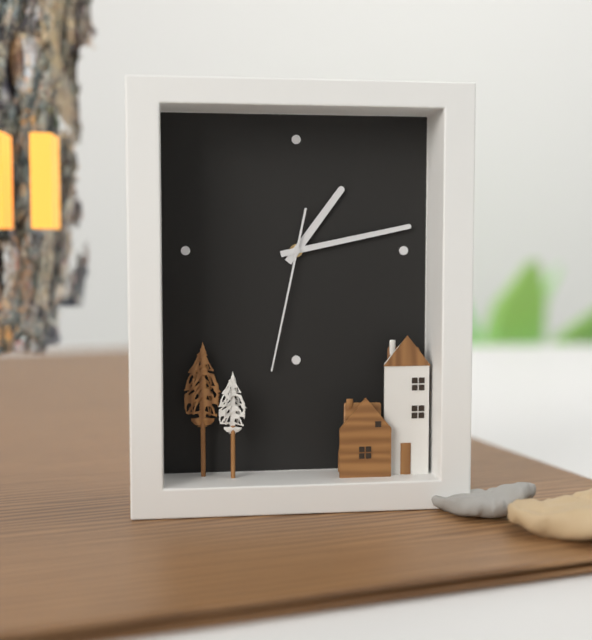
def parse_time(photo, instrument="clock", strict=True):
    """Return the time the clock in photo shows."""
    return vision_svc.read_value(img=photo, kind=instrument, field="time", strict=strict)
1:13:32
